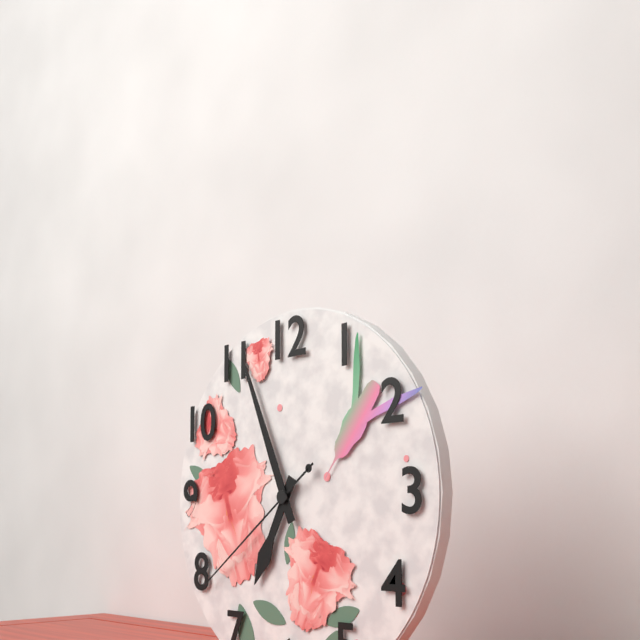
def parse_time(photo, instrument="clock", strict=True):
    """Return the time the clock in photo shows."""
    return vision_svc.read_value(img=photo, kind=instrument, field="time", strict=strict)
6:56:39
